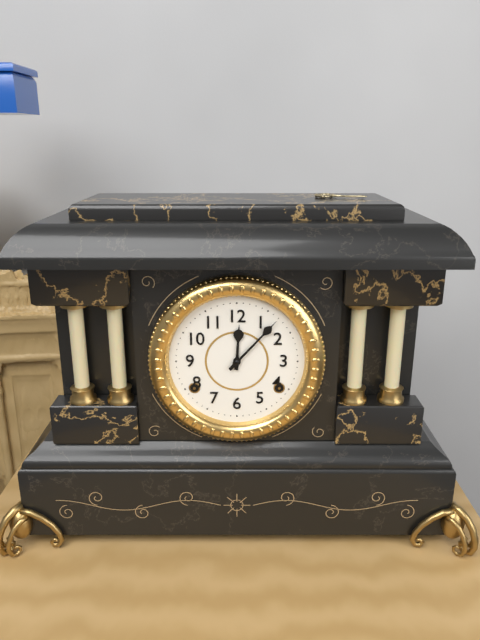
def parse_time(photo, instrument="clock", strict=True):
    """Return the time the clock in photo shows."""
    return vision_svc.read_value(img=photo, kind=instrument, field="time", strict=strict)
12:07
